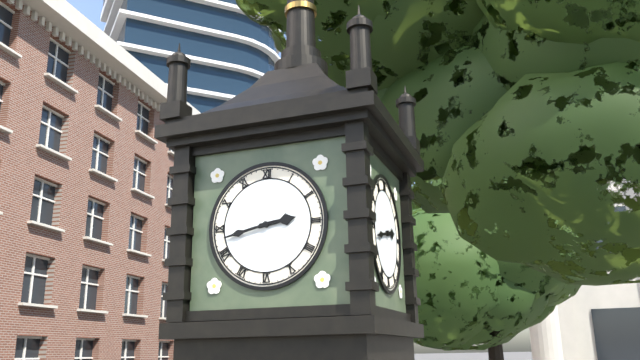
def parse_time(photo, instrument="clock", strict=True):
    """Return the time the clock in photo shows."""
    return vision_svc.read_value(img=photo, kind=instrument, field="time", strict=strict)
2:43
